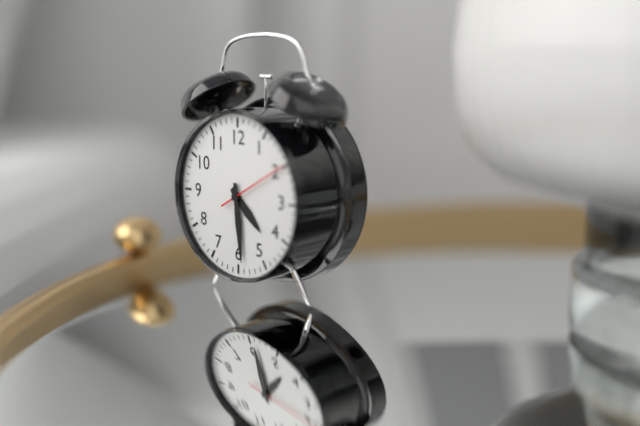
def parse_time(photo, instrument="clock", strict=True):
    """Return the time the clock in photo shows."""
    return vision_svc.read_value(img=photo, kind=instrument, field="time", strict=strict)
4:29
